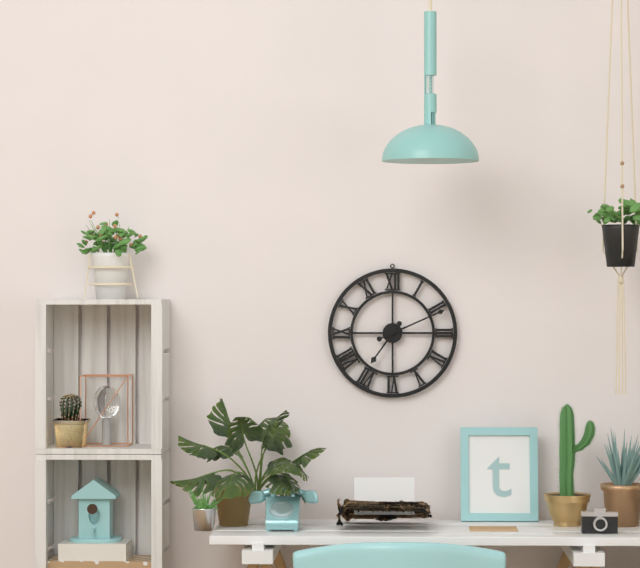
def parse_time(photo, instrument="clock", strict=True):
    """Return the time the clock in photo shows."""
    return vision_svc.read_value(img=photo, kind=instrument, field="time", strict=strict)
7:11
